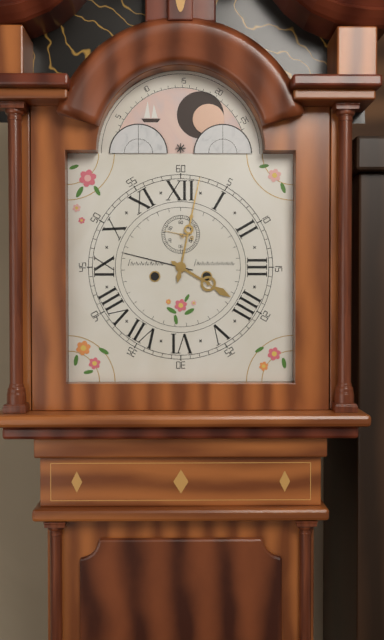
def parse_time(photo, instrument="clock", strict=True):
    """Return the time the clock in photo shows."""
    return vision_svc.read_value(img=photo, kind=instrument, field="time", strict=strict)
4:02
